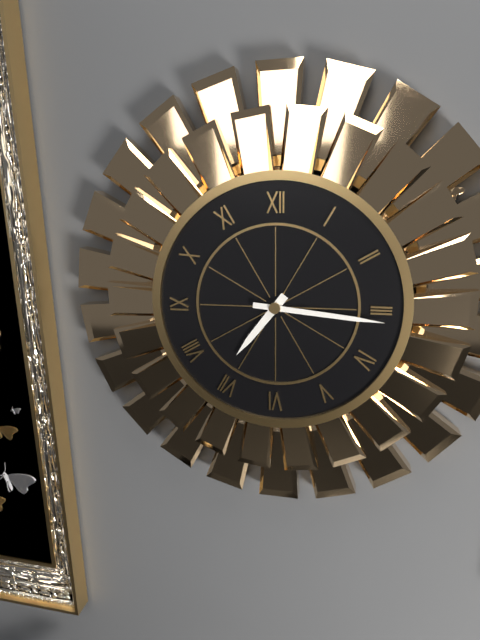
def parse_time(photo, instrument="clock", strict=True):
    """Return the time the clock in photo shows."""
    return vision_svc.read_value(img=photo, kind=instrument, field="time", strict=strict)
7:16
